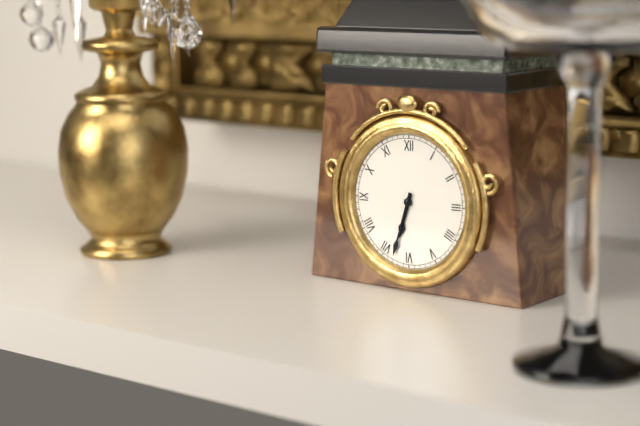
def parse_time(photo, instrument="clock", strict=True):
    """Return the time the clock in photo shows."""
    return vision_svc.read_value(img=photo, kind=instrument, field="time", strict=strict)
6:33
